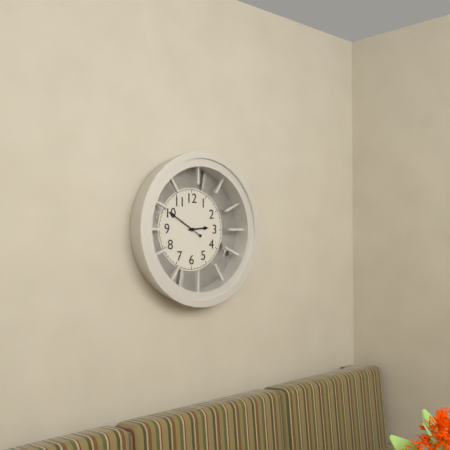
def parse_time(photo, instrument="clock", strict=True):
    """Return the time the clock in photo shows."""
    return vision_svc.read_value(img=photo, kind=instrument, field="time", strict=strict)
2:50
